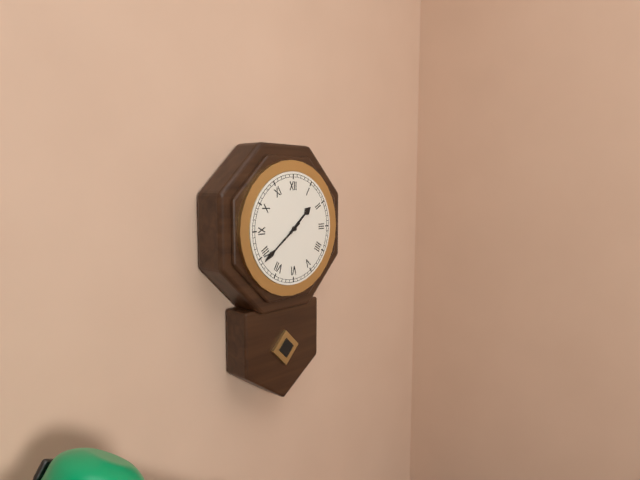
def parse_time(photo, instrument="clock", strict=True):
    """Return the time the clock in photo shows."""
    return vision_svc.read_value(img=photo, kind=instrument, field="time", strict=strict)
1:39
